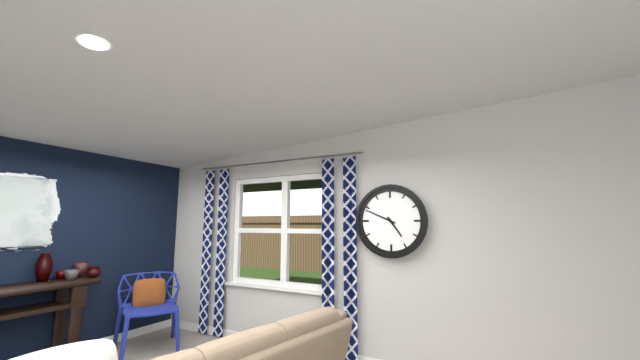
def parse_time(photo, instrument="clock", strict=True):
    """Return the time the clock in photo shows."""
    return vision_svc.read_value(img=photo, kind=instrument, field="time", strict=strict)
4:49
